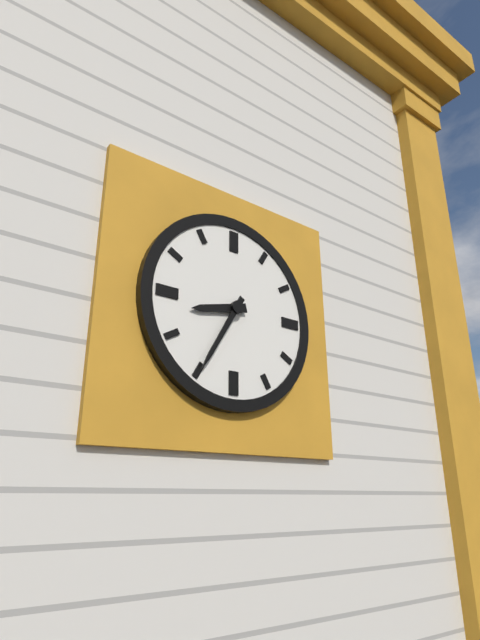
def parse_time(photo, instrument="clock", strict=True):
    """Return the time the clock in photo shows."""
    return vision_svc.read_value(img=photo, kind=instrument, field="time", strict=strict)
8:35
